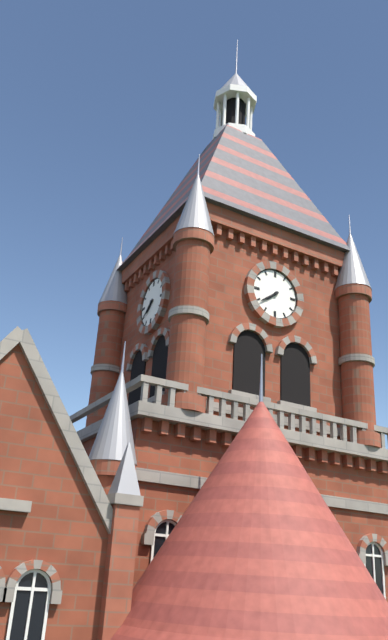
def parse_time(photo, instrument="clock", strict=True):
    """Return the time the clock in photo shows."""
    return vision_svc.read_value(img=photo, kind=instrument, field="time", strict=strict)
7:39
